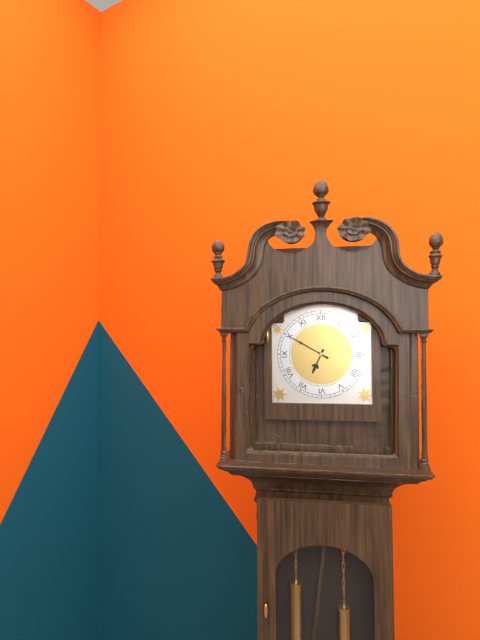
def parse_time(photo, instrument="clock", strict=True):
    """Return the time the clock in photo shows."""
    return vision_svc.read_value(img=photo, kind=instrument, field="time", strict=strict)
6:50
